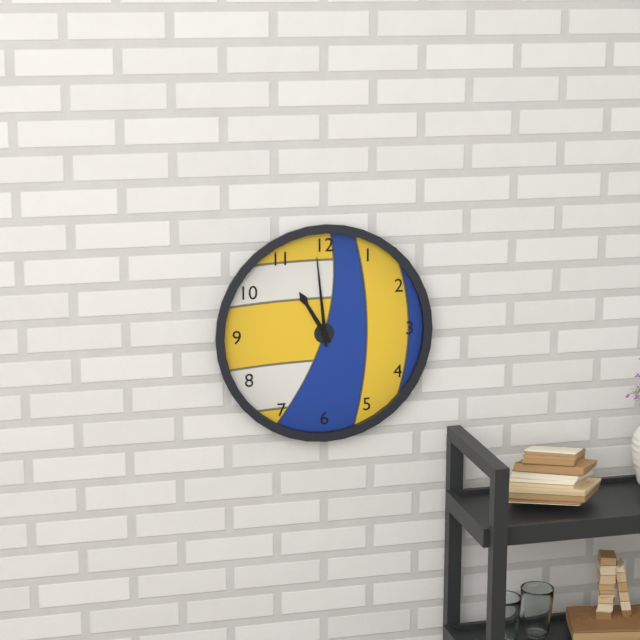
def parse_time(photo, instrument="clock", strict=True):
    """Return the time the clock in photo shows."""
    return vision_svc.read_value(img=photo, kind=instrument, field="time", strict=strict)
10:59
